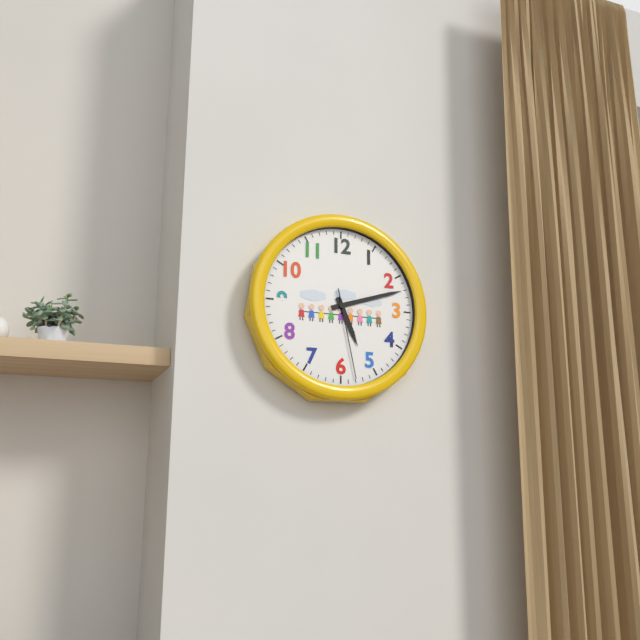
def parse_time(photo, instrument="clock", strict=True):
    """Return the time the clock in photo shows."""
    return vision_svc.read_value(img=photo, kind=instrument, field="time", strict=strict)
5:12:28
